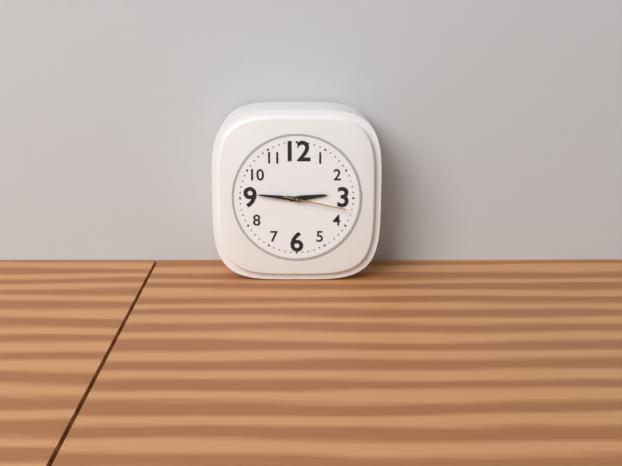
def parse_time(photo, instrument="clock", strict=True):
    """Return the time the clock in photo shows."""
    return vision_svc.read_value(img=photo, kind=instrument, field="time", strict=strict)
2:46:17
